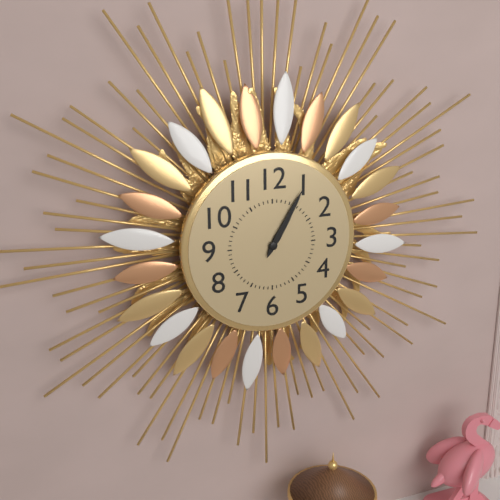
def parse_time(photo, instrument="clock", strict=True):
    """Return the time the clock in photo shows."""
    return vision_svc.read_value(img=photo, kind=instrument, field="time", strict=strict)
1:05
